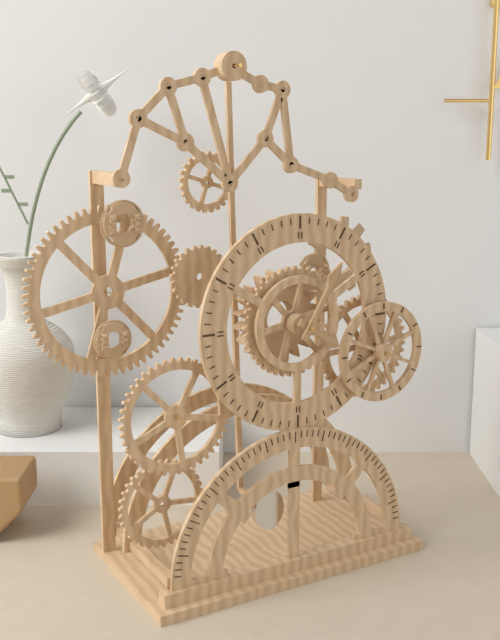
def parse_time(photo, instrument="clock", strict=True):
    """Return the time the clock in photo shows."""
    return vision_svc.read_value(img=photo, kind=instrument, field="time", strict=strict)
4:05
